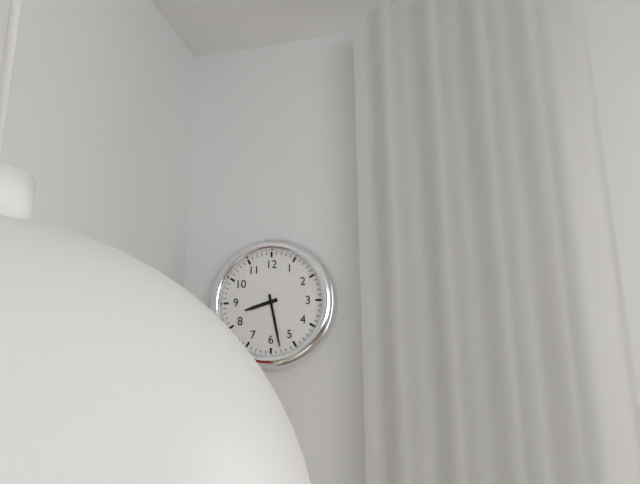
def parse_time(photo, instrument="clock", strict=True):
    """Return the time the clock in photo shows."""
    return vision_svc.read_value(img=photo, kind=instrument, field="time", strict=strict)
8:28
